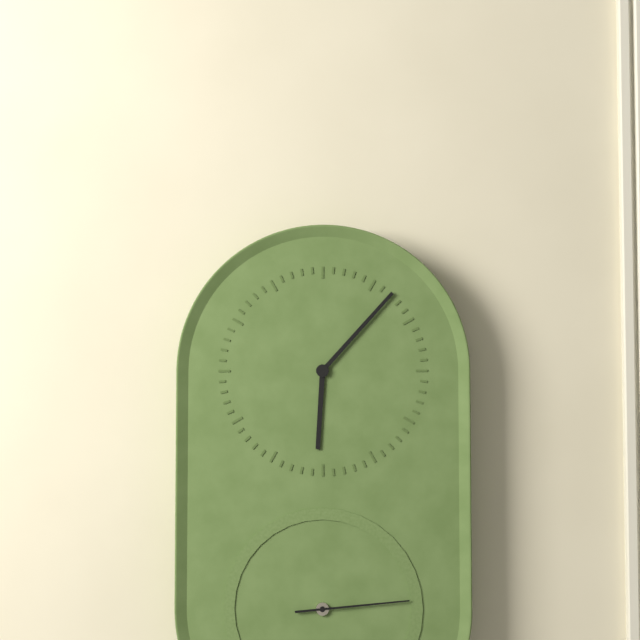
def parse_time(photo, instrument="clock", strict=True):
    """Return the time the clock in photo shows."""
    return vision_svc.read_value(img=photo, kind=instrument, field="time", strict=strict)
6:07:14
